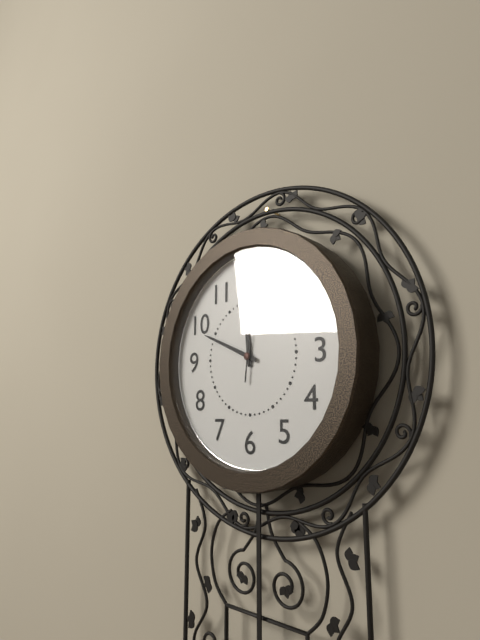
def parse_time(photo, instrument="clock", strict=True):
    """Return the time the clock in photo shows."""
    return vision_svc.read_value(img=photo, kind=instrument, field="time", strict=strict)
11:49:01
